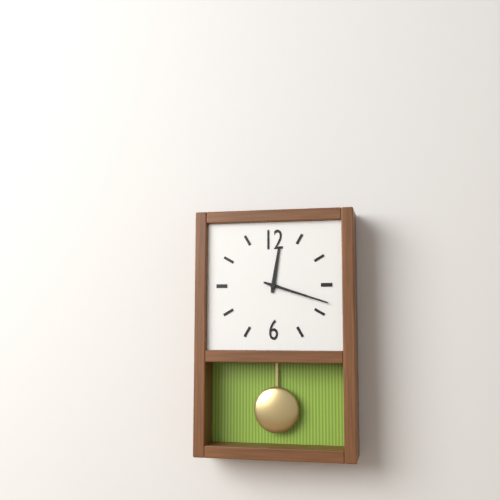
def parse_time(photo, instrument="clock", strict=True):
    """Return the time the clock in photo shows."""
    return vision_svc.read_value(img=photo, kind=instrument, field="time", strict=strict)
12:18
